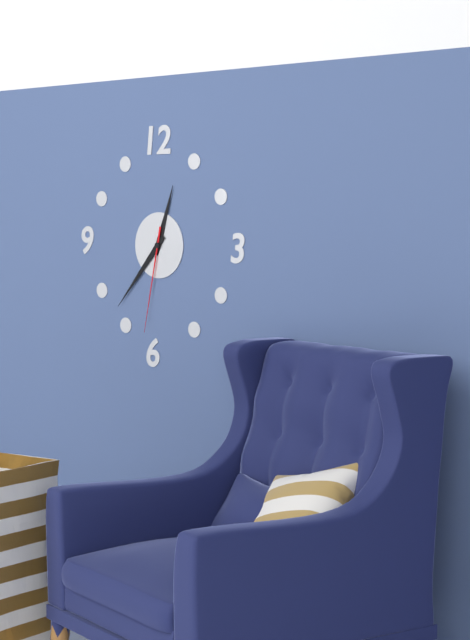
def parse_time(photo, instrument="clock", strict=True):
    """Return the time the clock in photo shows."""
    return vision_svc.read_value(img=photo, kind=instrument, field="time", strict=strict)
12:37:32
